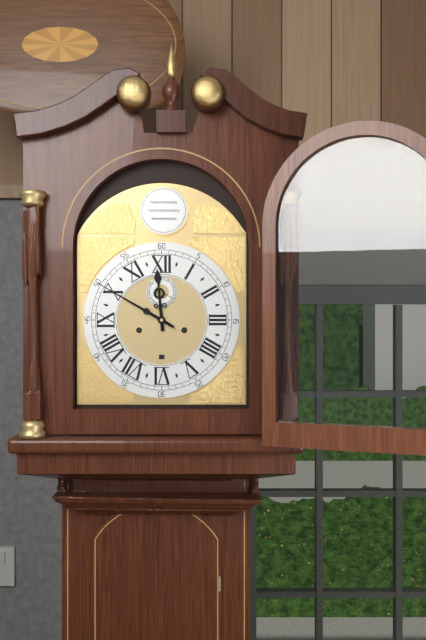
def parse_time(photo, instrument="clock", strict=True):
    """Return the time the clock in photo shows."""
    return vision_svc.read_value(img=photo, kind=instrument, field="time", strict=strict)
11:50
